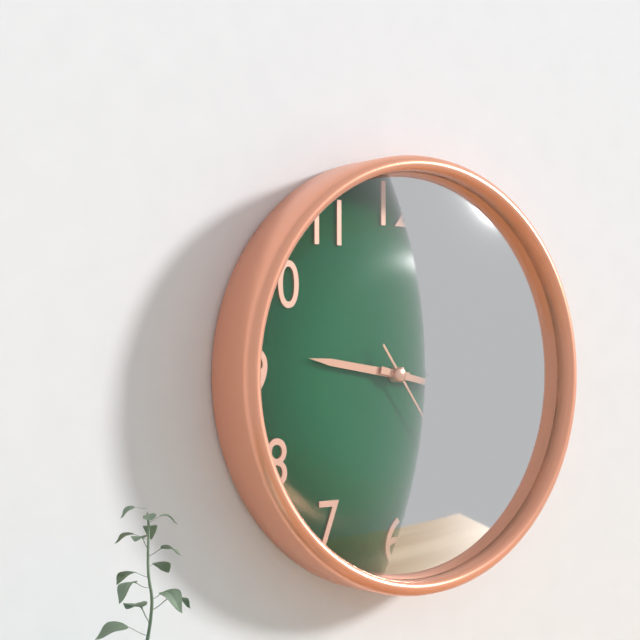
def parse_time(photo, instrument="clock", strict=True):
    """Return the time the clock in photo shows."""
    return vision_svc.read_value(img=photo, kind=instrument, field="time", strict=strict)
9:17:24
